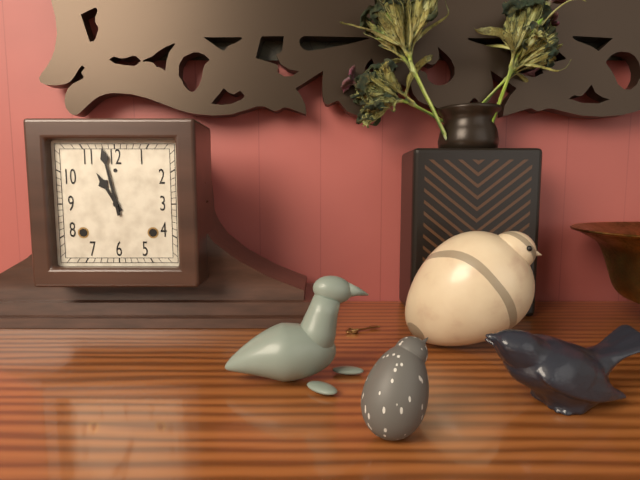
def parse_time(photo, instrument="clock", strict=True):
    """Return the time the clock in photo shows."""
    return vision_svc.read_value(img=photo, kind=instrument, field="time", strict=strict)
10:58
